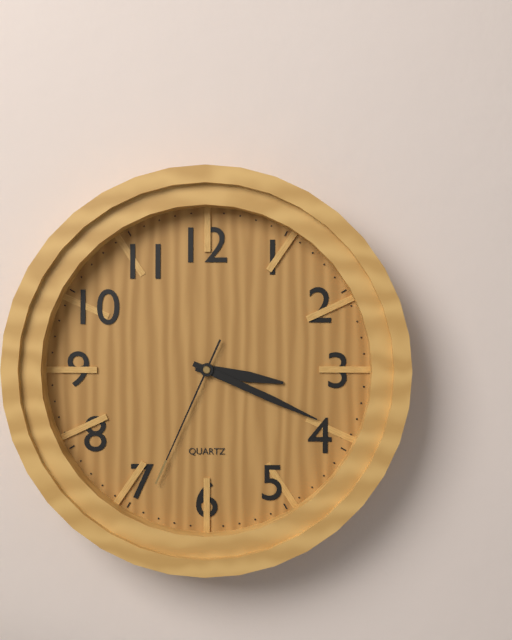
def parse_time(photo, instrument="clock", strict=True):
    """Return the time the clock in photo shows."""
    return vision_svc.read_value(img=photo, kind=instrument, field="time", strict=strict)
3:19:34
